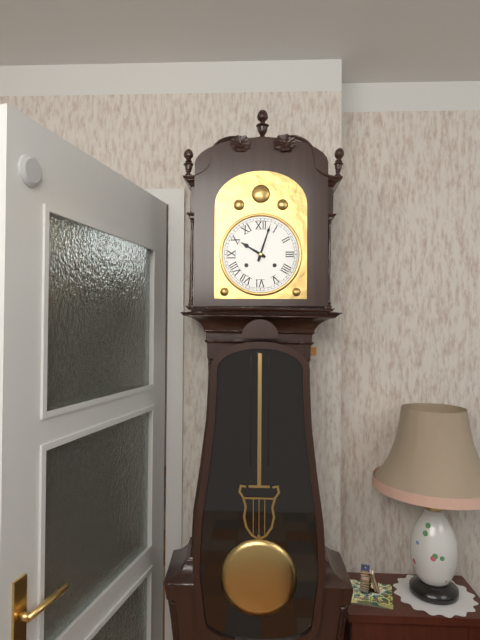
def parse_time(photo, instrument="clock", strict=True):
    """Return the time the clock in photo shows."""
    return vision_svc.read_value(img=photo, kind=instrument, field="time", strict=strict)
10:03
